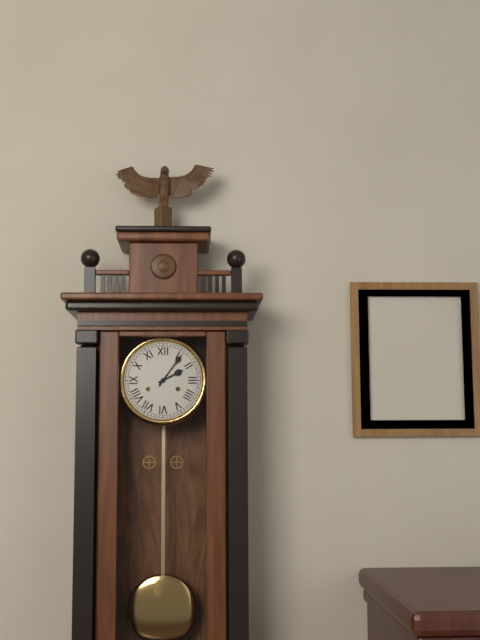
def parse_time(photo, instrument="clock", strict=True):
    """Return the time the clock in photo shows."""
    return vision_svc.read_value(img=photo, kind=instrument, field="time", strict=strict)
2:06
